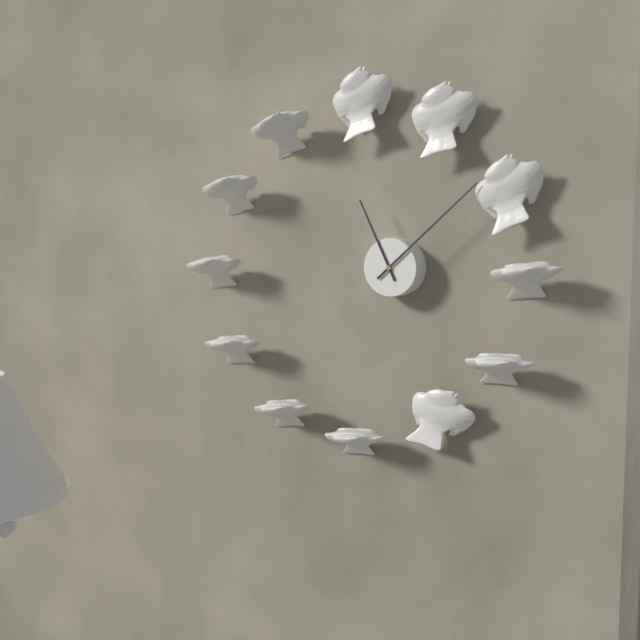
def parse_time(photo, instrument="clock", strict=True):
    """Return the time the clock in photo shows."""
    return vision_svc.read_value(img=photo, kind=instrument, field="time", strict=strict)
11:08
